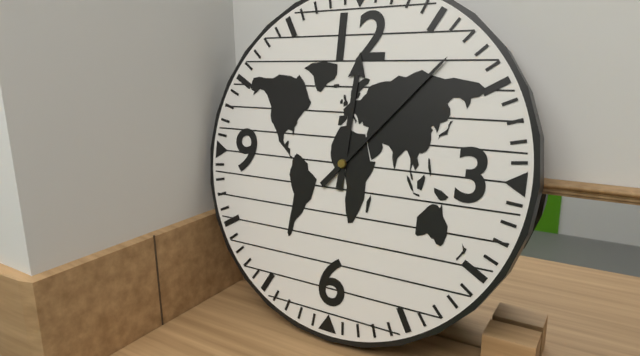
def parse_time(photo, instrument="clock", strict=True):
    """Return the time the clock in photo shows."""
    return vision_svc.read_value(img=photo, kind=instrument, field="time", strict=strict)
12:07
